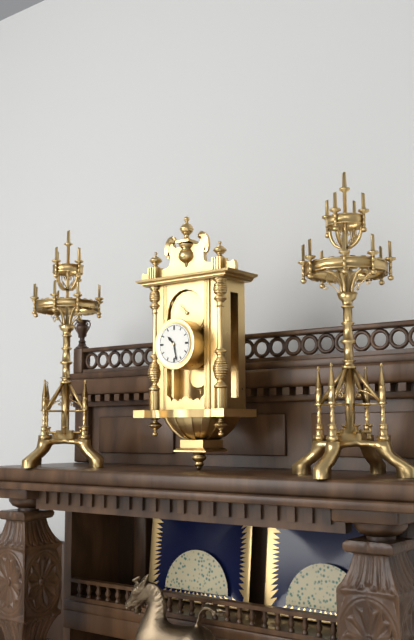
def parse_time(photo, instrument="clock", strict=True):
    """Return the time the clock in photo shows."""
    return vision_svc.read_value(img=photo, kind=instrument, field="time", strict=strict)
10:28
